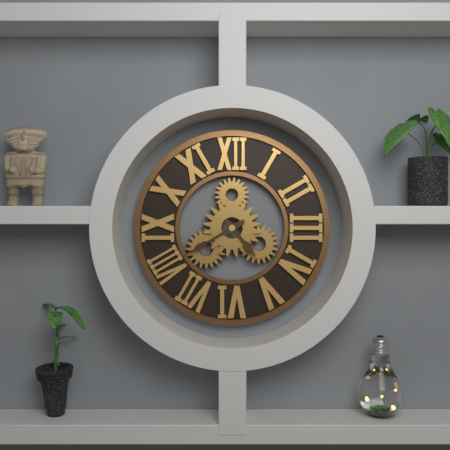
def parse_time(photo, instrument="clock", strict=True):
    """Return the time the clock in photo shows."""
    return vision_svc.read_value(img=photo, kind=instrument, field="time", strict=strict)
4:40
